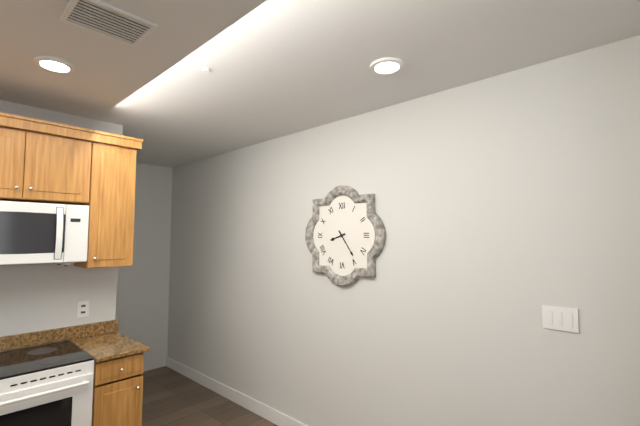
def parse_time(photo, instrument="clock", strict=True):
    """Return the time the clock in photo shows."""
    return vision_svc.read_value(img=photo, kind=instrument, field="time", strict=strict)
8:24
